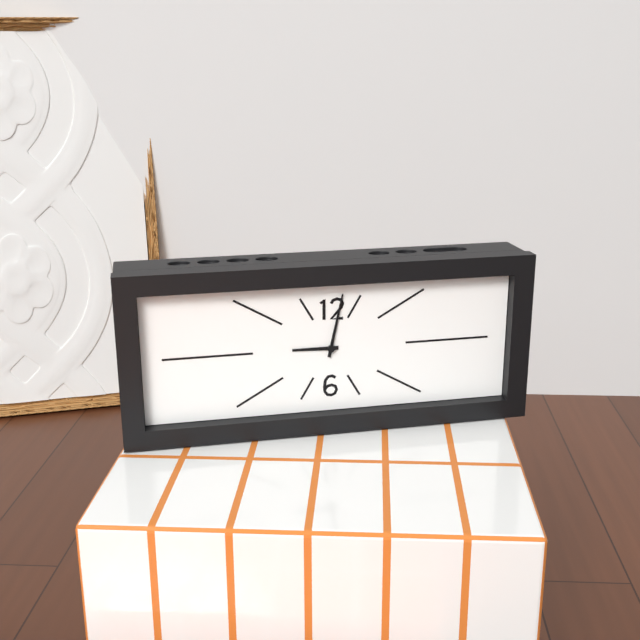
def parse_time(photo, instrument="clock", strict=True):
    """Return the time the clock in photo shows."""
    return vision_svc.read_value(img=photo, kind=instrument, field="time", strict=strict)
9:02
